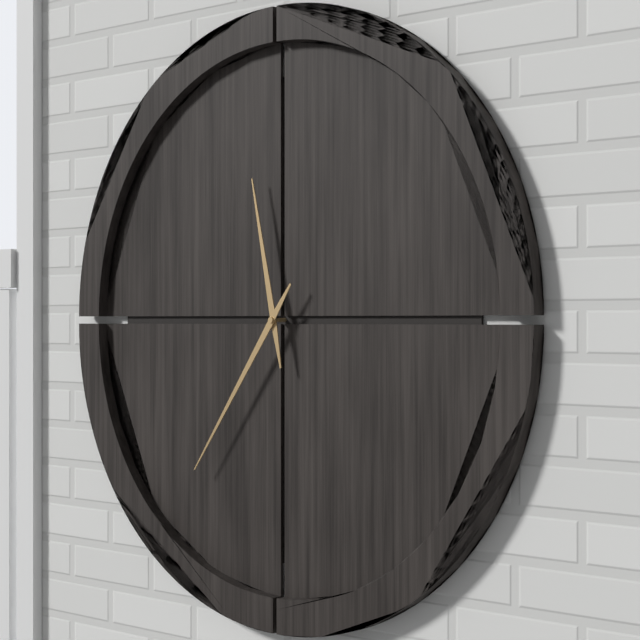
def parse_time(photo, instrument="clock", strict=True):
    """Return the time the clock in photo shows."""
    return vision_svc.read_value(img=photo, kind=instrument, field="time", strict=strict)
11:36
